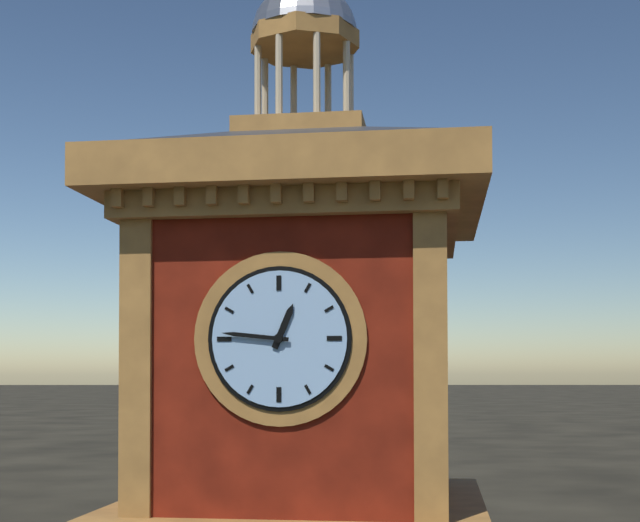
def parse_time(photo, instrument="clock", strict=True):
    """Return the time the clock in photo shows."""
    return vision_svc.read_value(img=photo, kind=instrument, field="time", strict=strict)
12:46
